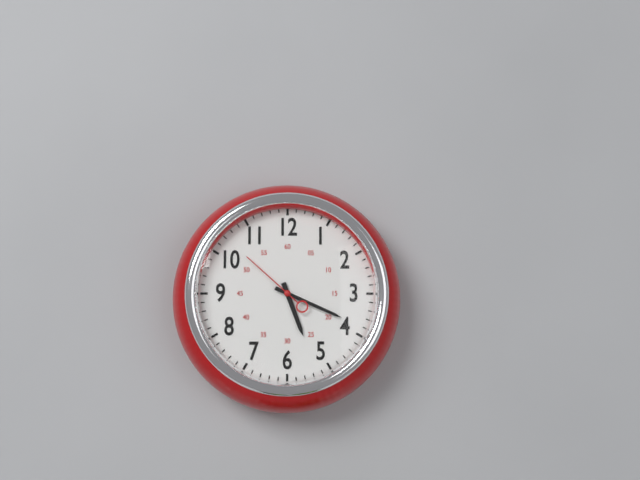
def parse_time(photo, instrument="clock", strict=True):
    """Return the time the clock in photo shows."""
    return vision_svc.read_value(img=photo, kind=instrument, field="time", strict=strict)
5:19:52
